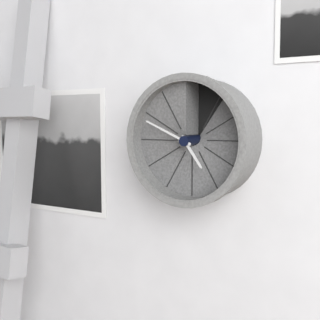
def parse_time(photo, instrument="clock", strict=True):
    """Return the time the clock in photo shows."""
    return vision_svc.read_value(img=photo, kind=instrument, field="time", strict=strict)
4:49
